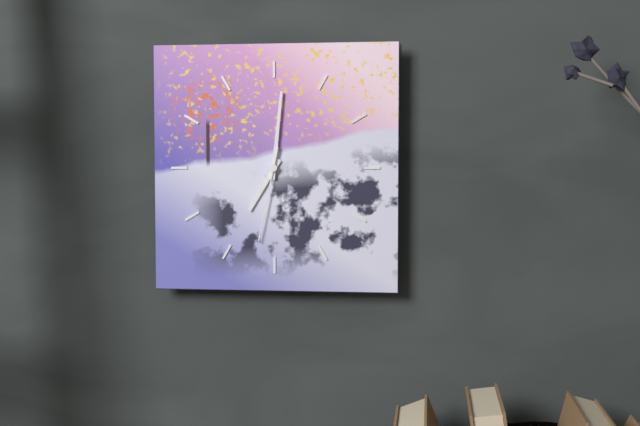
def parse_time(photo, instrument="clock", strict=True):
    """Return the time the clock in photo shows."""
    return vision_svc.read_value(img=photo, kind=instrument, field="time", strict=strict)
7:01:32
